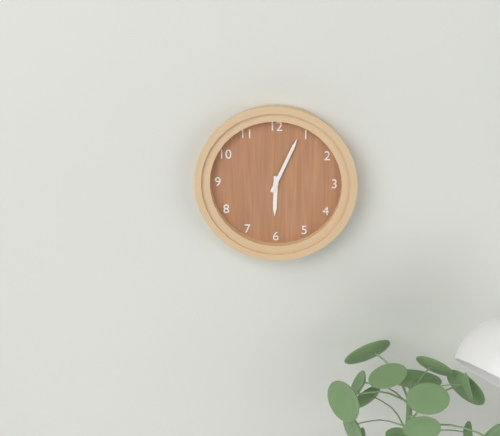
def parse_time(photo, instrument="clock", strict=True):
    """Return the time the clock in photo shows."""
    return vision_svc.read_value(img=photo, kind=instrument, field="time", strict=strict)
6:04
